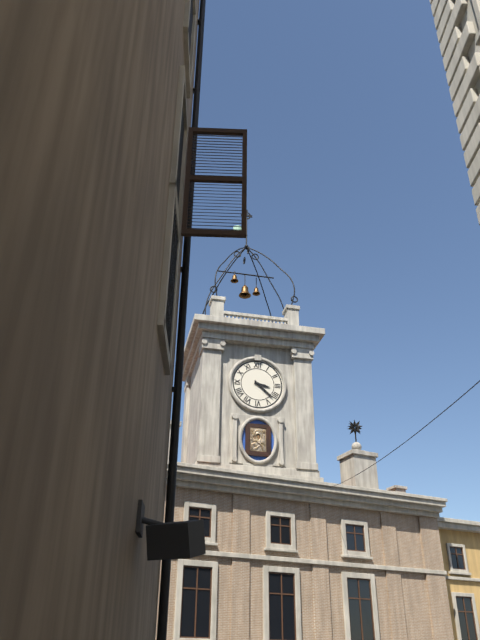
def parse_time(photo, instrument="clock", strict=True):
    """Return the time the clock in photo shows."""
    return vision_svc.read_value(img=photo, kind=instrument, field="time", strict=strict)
3:22
